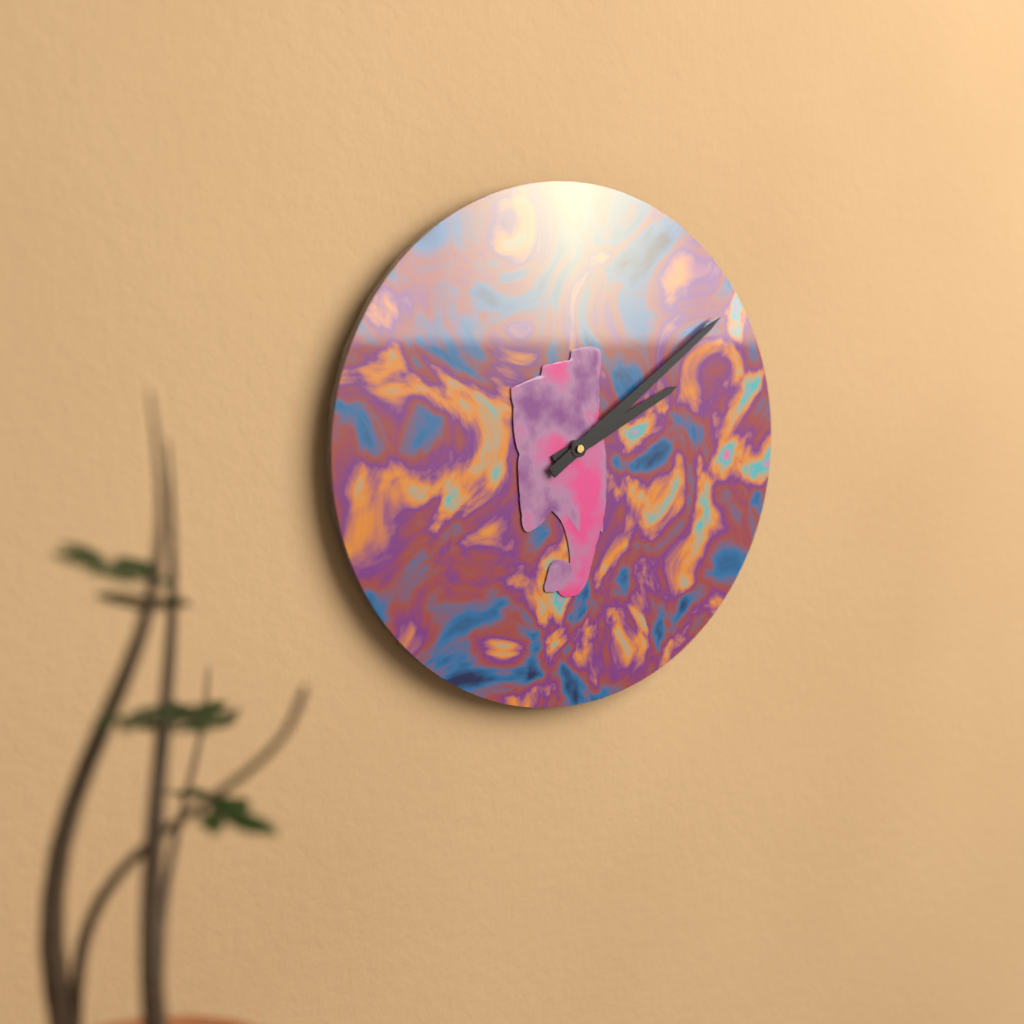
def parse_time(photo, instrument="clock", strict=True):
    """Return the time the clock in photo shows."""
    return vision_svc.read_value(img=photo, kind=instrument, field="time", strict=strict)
2:09
